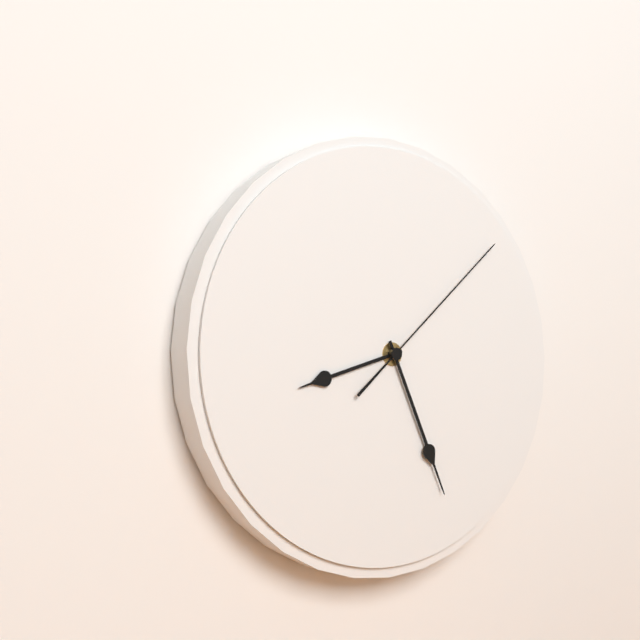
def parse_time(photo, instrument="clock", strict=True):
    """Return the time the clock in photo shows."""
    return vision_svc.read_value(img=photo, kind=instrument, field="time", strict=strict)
8:26:08
